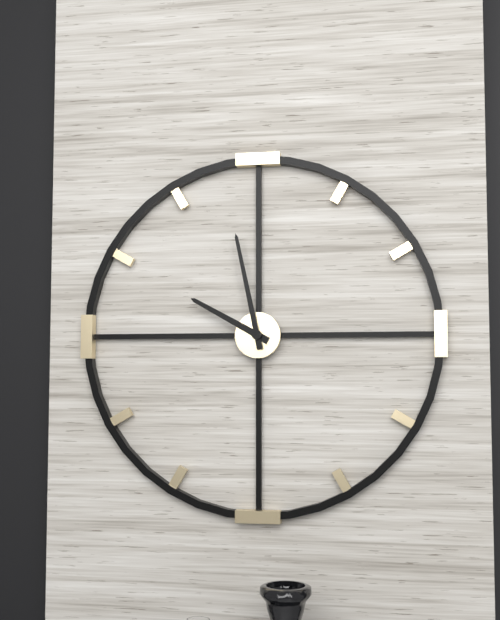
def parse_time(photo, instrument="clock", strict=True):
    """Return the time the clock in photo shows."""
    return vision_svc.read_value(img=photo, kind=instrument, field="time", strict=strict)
9:58
